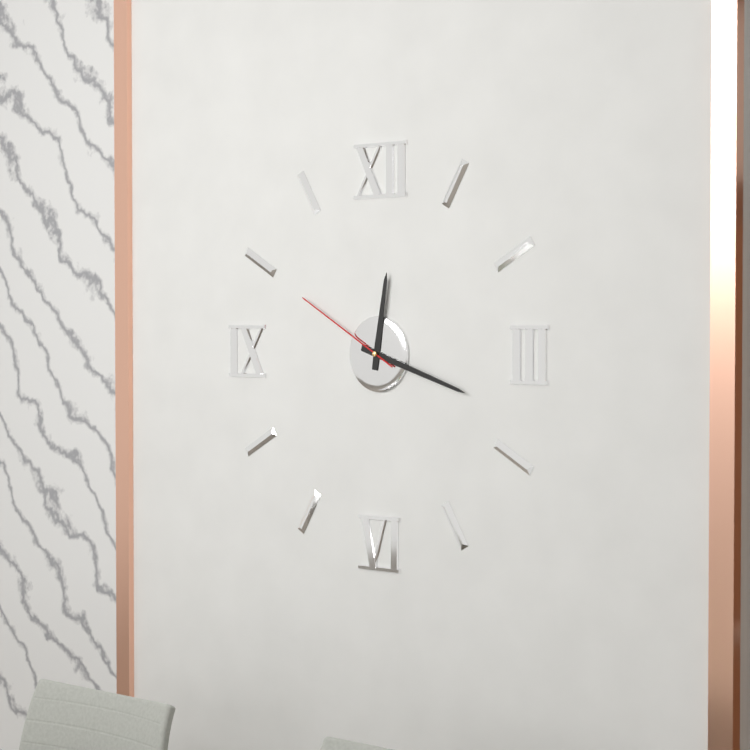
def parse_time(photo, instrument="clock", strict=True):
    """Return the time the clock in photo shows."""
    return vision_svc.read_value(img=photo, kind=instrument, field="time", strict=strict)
12:18:50
